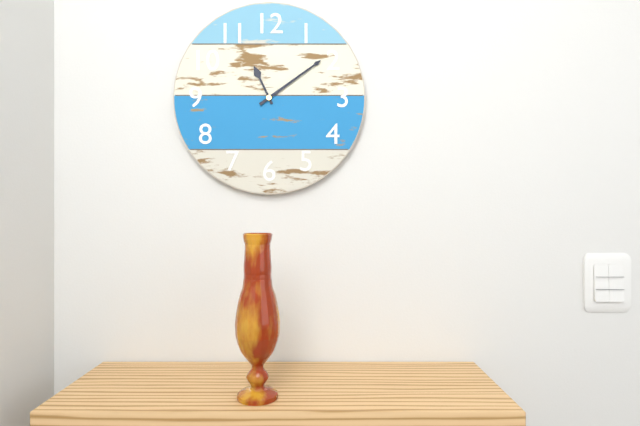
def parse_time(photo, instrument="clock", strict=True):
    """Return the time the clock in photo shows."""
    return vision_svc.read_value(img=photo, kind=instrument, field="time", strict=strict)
11:09
